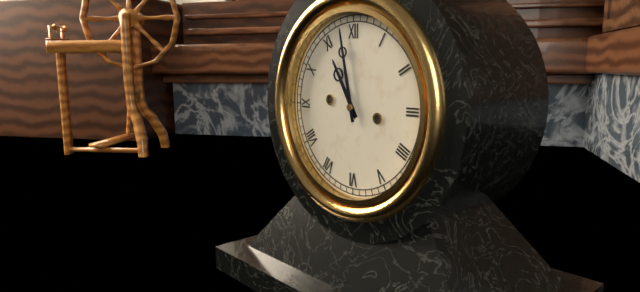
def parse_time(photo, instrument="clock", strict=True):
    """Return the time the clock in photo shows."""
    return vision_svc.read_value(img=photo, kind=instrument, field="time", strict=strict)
10:58
